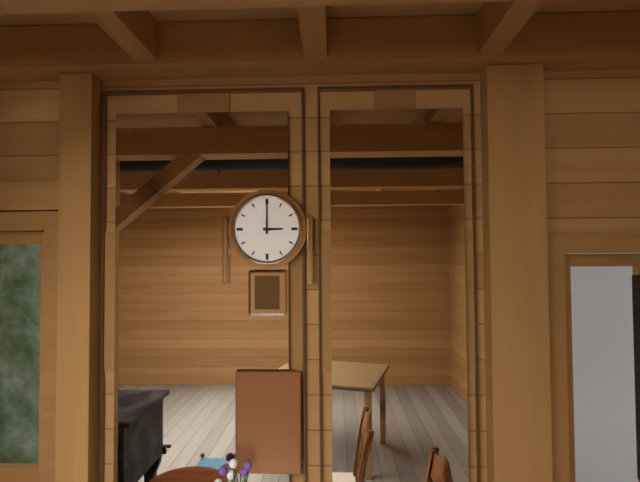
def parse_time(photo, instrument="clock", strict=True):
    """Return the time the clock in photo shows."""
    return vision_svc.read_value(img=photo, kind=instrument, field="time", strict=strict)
3:00
